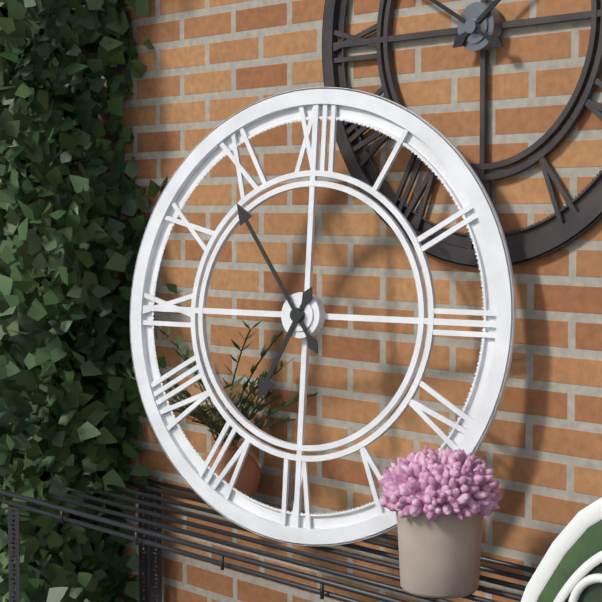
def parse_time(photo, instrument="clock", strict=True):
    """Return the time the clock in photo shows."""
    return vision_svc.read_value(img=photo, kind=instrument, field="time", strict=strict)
6:54
